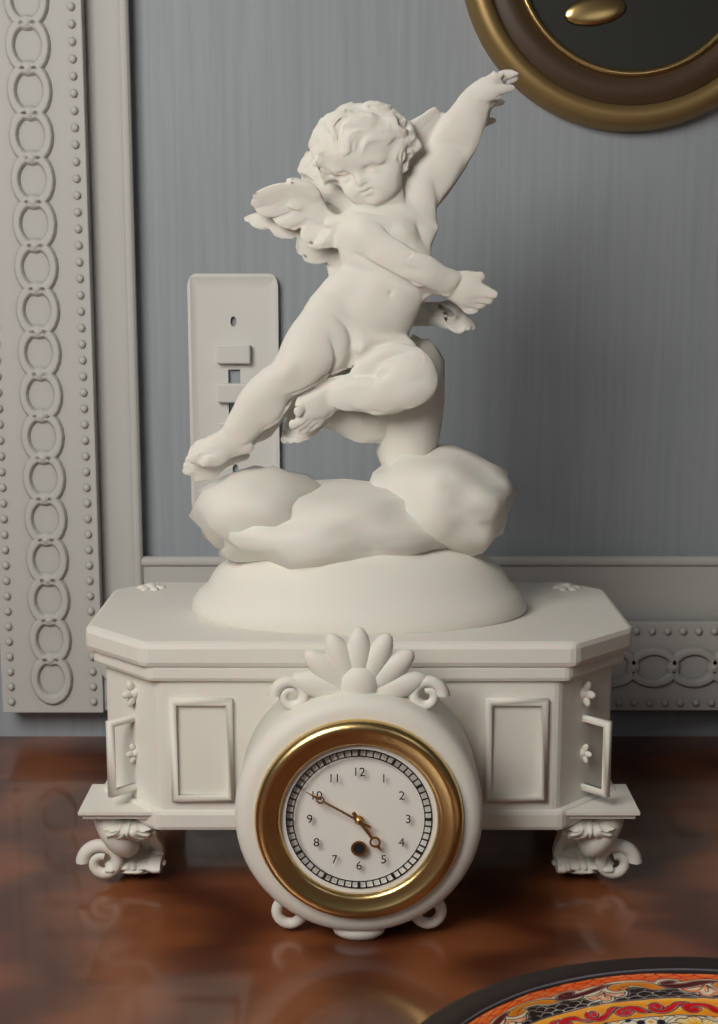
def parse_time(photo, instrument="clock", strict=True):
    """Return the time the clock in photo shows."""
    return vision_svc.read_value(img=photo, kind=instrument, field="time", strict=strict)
4:50
